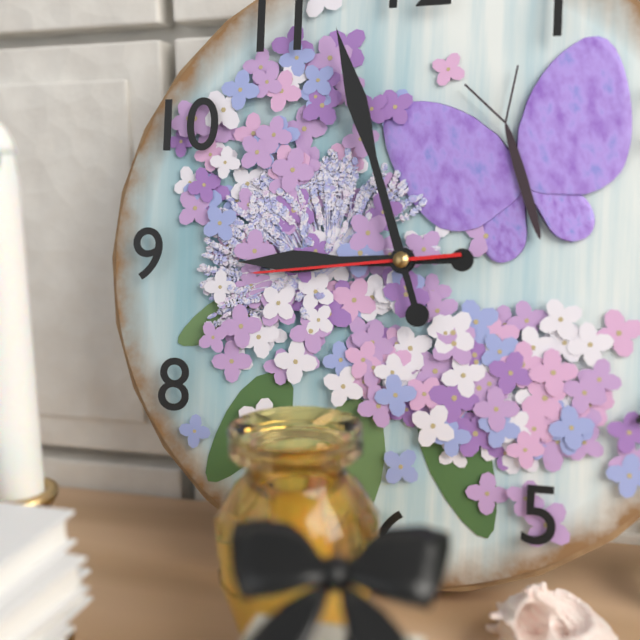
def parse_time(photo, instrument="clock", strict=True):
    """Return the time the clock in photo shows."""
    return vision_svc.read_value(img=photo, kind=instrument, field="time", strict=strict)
8:57:44
